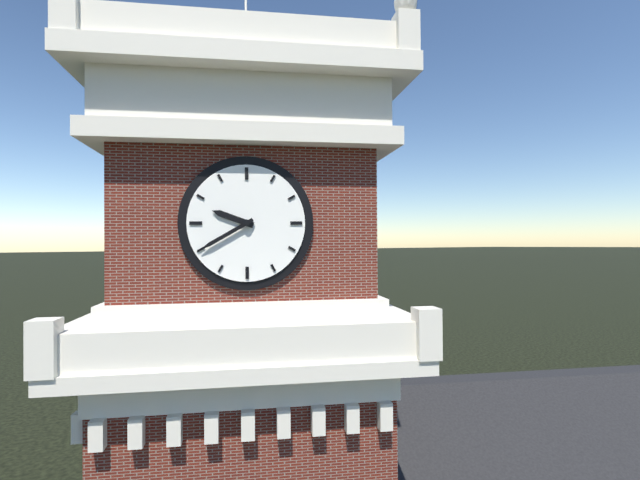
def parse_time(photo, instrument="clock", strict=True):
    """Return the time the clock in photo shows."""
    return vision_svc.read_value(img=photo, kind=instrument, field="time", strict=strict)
9:40
